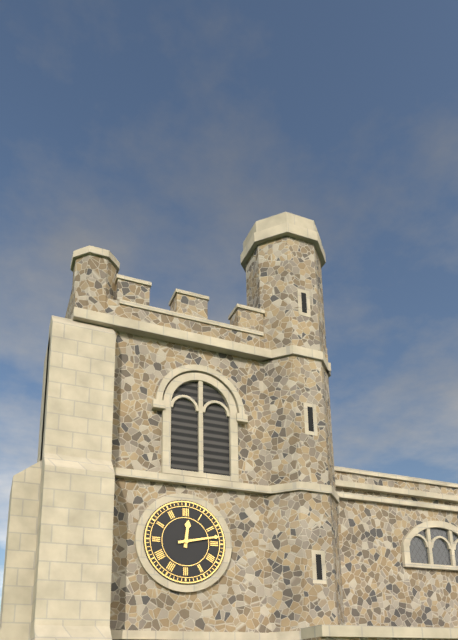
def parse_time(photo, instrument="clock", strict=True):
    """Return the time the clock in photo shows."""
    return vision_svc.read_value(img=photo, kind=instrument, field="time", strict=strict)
12:13
